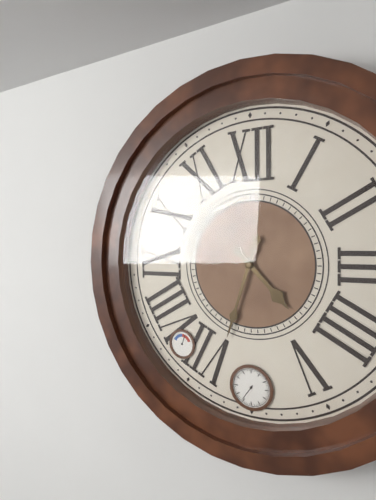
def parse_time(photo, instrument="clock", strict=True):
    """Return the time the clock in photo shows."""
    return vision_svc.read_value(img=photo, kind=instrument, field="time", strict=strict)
4:33
